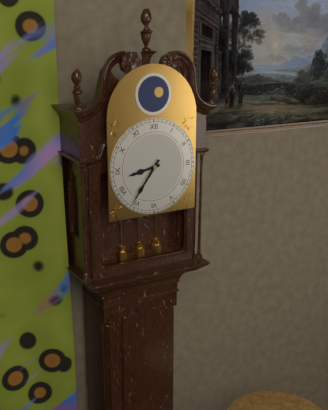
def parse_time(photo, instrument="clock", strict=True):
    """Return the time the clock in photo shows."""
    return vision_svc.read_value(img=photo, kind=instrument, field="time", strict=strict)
8:36
